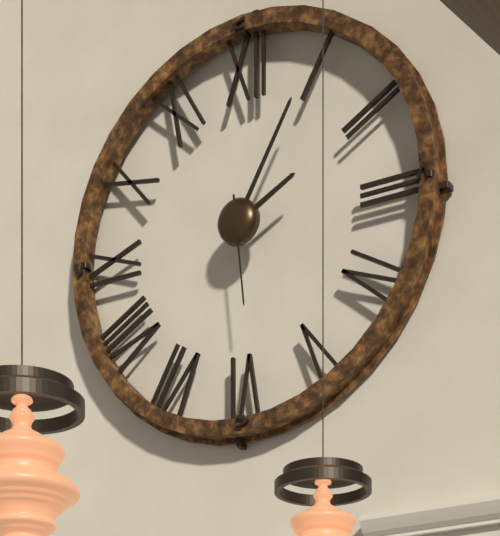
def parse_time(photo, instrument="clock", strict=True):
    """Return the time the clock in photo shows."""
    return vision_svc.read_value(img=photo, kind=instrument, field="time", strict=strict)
2:05:29
